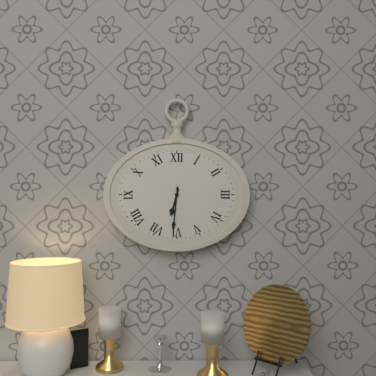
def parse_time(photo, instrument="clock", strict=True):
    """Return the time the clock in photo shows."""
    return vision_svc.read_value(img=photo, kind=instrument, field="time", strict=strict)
6:31
